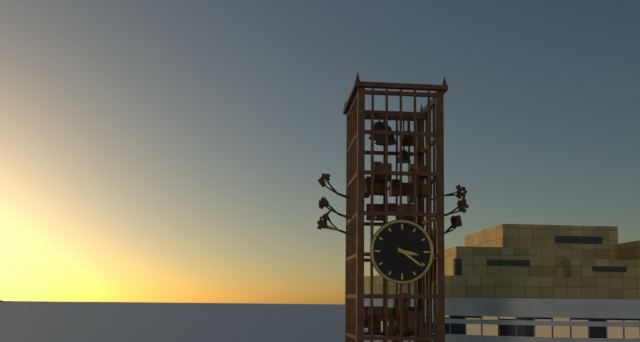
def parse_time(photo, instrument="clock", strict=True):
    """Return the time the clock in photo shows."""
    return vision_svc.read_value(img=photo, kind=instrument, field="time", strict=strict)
3:21
